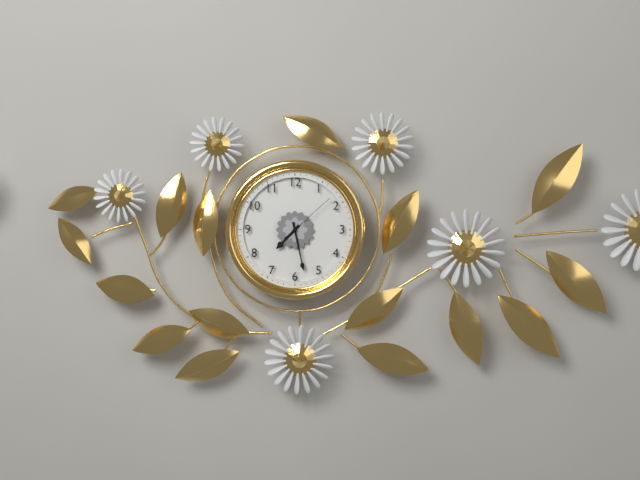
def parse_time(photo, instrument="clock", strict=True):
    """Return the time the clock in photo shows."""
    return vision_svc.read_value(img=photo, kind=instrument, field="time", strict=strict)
7:28:08
